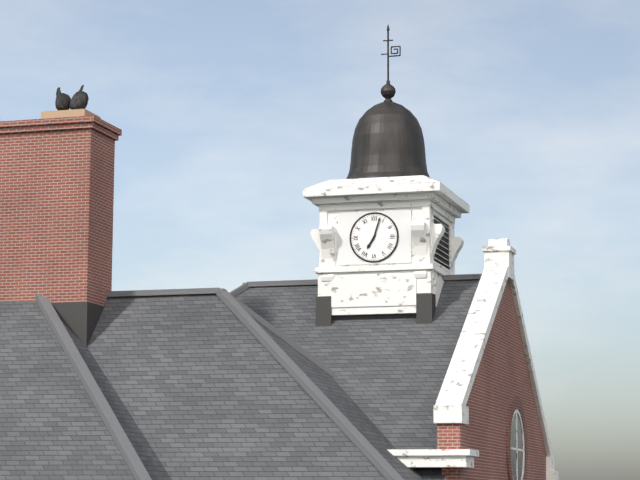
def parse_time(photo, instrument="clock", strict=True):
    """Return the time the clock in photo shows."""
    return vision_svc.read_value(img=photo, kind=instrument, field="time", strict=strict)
7:03
